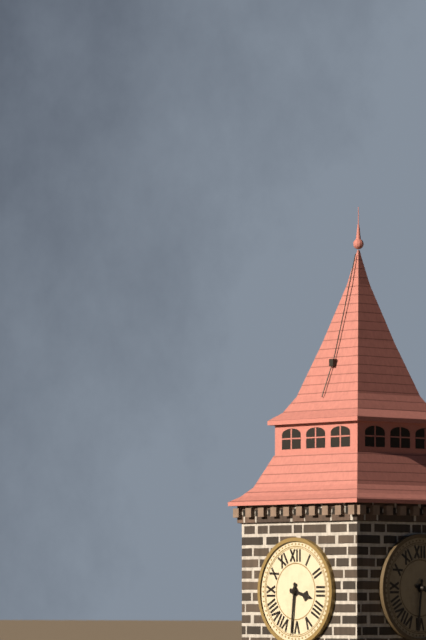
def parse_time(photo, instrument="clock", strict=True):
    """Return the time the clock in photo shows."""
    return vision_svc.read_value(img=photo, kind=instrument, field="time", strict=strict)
3:31
